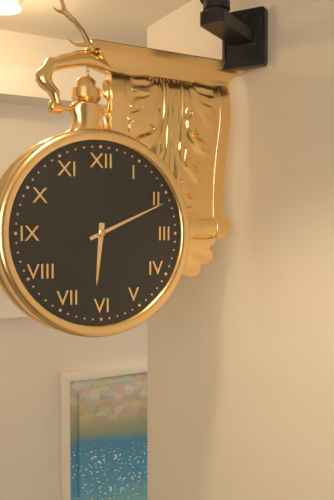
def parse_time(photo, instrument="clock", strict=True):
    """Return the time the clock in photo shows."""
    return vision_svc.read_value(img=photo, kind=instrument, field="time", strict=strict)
6:11
